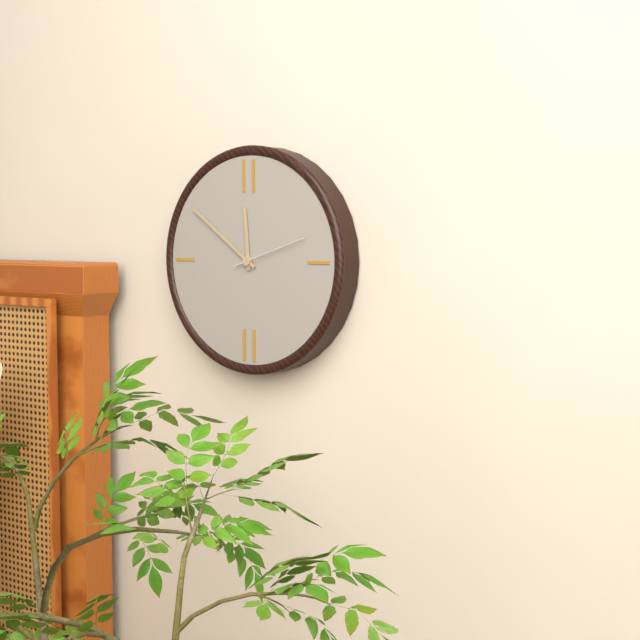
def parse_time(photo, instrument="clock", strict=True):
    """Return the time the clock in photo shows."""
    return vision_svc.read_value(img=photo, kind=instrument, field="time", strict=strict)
11:51:12
